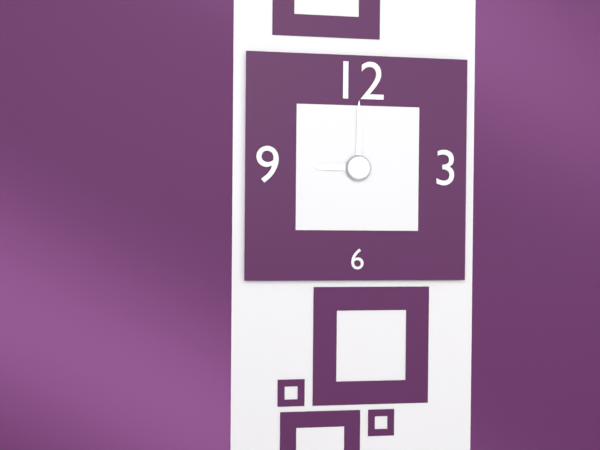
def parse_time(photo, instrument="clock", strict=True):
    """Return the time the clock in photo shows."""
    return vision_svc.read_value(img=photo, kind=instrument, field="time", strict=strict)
9:00
